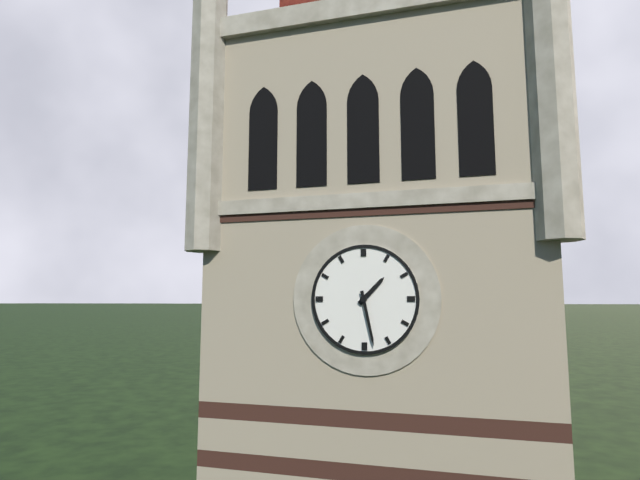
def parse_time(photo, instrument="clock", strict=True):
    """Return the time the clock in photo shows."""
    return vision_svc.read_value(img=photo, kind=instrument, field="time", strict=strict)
1:28
